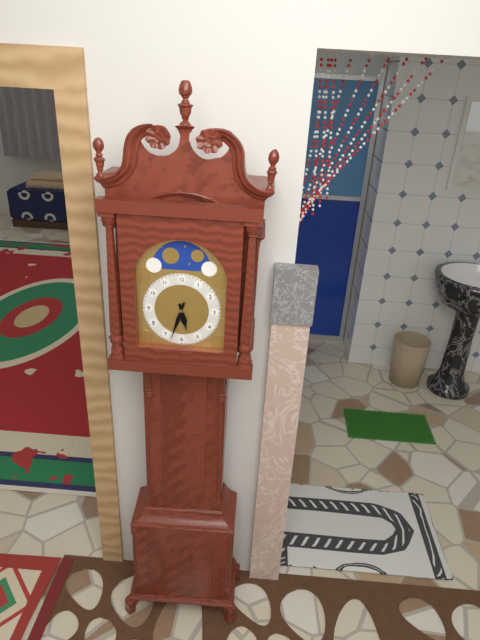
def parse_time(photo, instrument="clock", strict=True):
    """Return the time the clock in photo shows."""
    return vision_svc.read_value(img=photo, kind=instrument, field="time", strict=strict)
5:33
